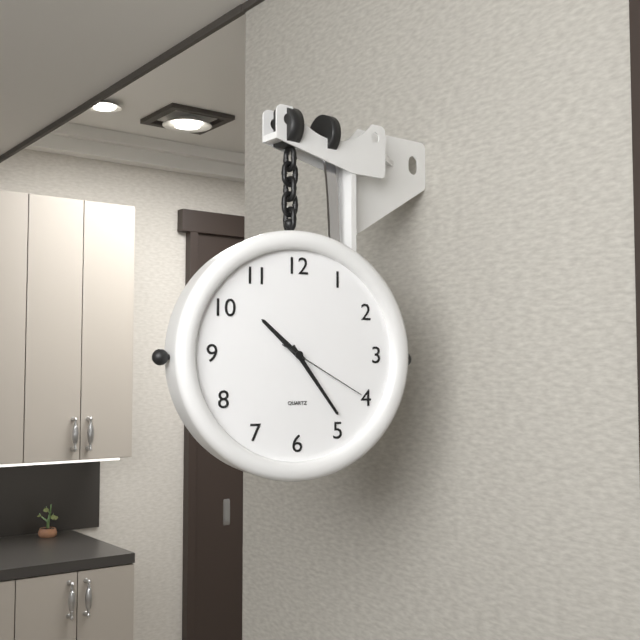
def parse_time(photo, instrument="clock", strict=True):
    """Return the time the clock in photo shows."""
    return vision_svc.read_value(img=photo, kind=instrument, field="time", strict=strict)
10:24:20
